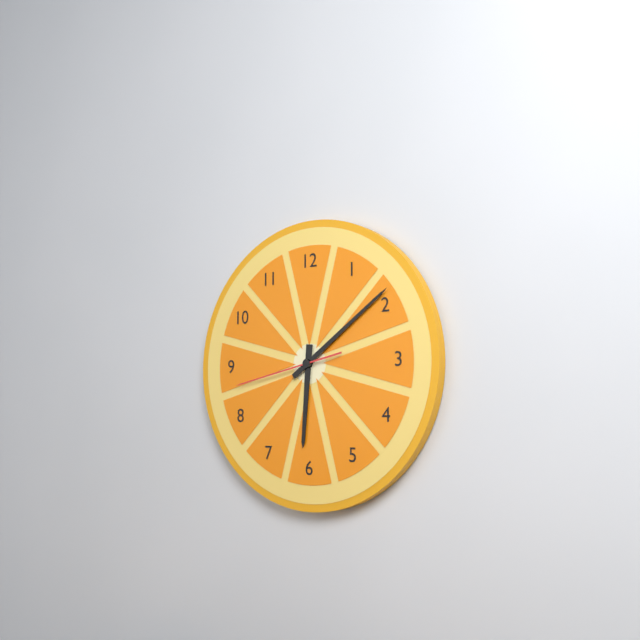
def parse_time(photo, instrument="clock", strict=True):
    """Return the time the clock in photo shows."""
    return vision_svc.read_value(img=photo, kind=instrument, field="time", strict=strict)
6:09:43
